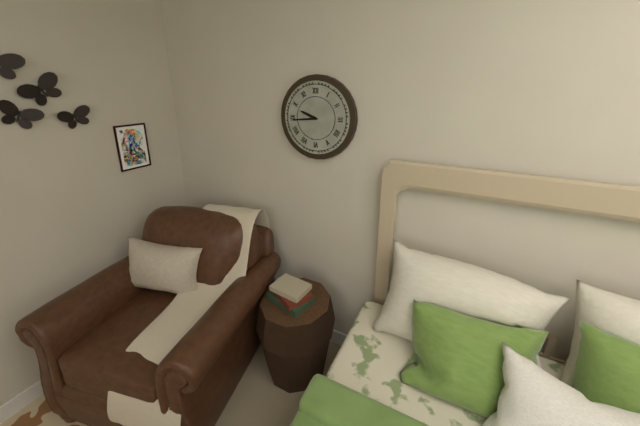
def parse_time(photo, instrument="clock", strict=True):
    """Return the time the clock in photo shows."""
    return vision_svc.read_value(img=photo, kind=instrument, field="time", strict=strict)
9:44
